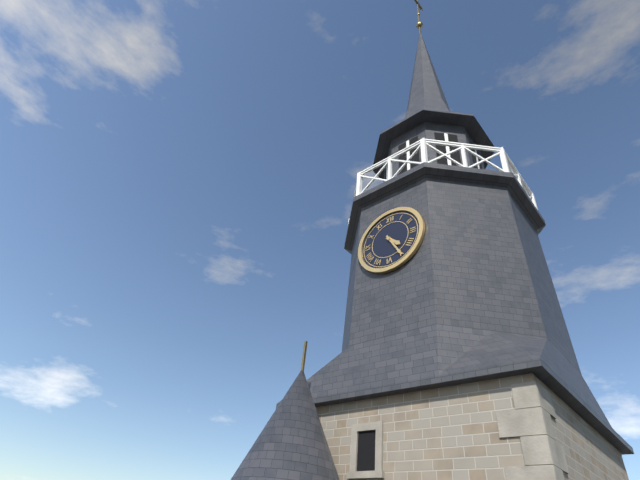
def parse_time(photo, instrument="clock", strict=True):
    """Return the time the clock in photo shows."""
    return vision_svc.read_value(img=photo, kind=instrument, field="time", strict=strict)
4:25
